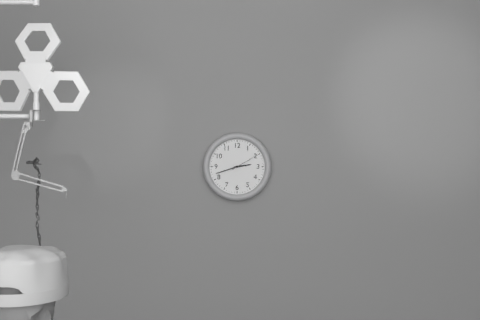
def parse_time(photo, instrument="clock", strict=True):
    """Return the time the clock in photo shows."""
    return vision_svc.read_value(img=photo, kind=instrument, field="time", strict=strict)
2:42
